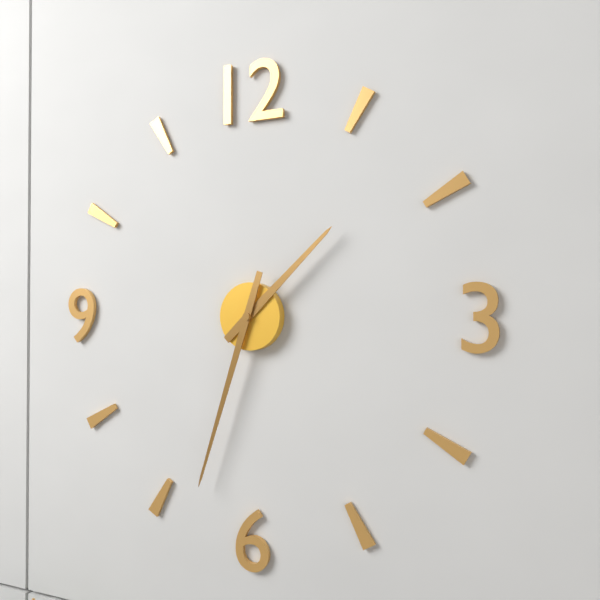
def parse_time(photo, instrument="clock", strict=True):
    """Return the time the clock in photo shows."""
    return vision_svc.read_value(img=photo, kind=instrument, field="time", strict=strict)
1:33
